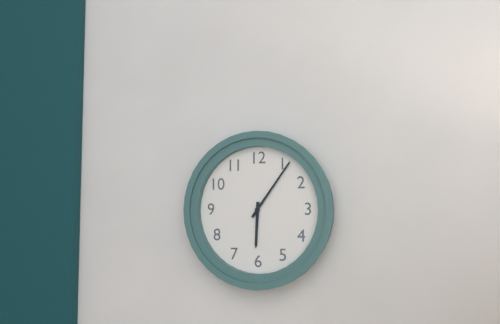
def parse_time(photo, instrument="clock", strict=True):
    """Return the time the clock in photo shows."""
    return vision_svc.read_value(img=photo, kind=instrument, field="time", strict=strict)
6:06
